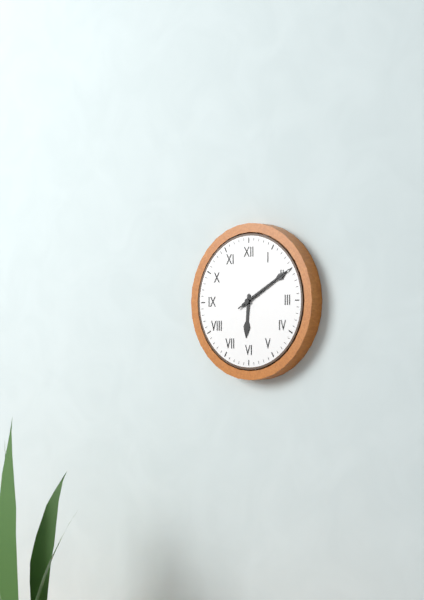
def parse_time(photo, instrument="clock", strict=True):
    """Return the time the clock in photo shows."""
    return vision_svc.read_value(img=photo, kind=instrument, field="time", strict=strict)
6:10:10
